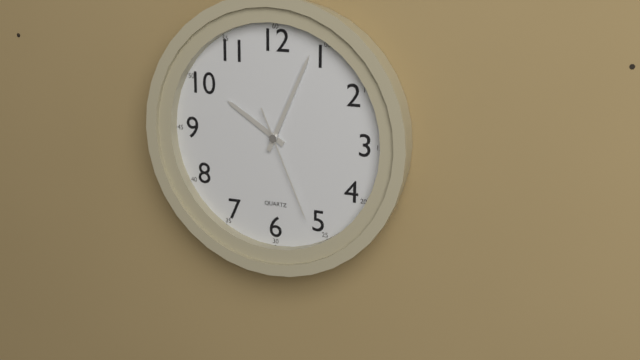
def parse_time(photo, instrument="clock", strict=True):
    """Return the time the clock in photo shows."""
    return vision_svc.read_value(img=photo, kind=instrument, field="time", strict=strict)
10:04:26
